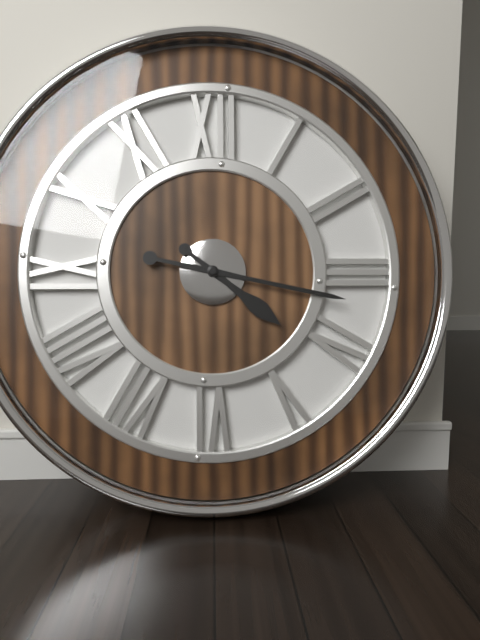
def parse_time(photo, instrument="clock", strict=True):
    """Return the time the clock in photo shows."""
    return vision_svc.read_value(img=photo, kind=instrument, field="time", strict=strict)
4:17
